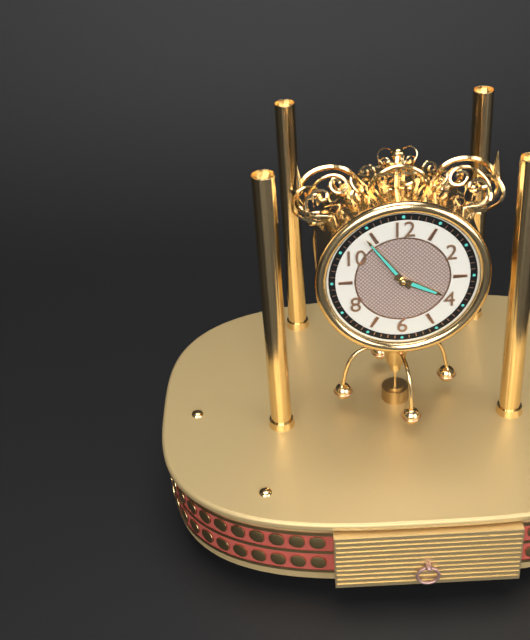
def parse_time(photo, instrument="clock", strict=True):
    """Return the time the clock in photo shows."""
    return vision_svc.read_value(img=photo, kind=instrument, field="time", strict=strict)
3:54
